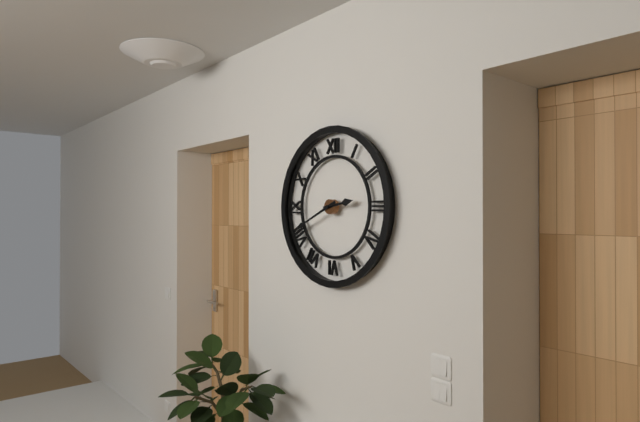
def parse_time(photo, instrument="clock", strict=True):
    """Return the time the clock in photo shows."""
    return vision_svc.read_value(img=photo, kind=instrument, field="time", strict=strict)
2:41
